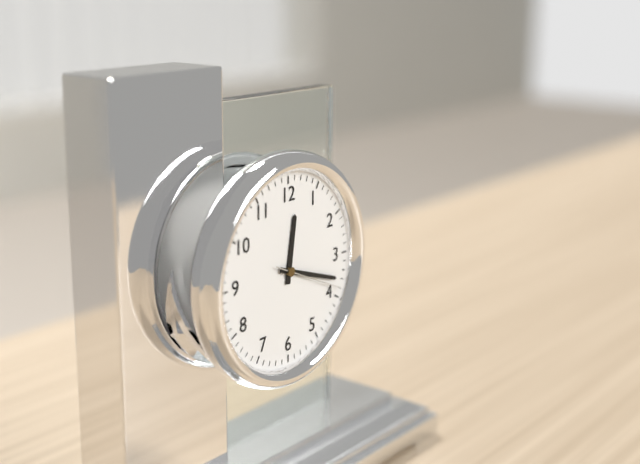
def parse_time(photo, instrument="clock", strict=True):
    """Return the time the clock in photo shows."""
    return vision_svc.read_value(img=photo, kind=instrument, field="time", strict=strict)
12:18:19
